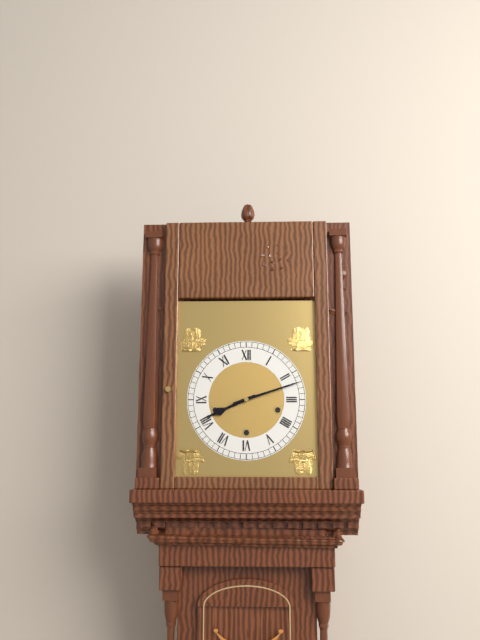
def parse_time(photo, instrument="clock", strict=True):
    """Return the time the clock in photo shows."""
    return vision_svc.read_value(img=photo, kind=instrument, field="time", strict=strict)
8:12
